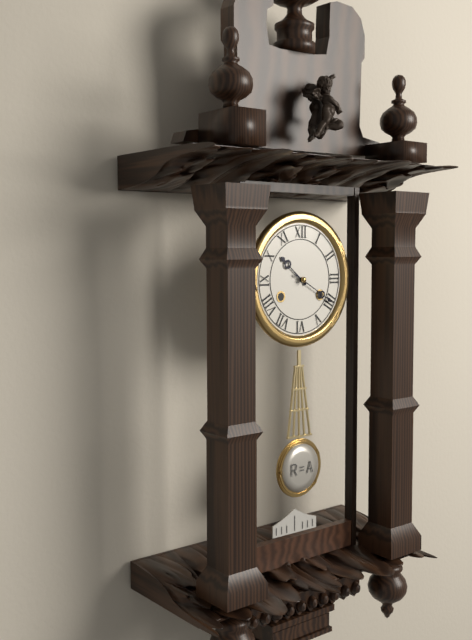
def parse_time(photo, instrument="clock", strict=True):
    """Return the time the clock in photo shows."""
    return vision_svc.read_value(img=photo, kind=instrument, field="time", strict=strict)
10:20
